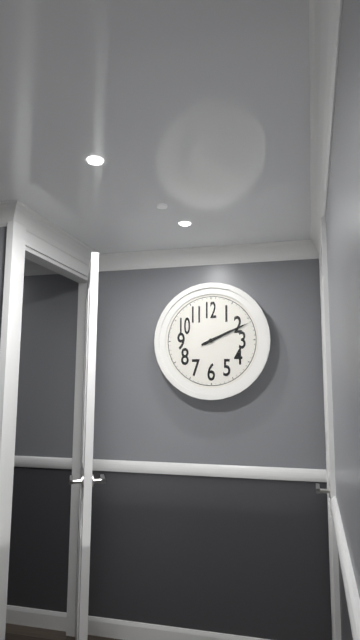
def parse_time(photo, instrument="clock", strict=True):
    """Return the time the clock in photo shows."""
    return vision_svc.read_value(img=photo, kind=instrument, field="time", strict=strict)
2:11
